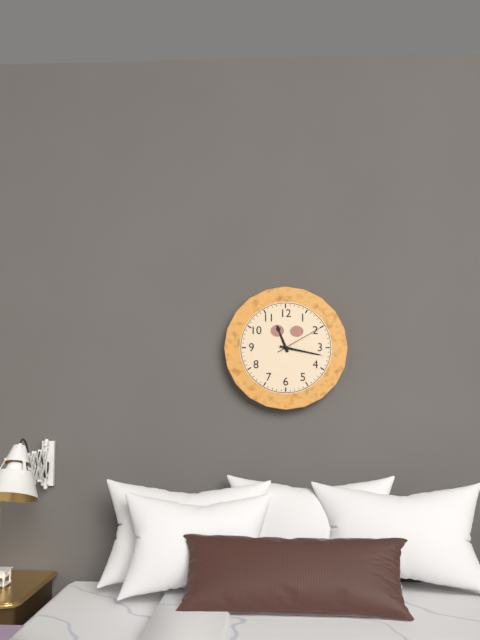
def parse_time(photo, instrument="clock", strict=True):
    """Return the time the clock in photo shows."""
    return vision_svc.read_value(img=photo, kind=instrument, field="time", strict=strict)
11:17:10
